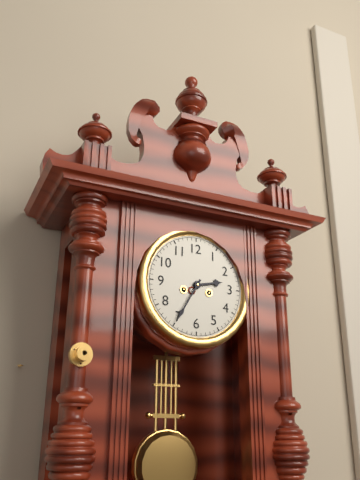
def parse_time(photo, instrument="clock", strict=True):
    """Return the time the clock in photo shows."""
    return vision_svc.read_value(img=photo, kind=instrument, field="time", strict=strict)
2:35
